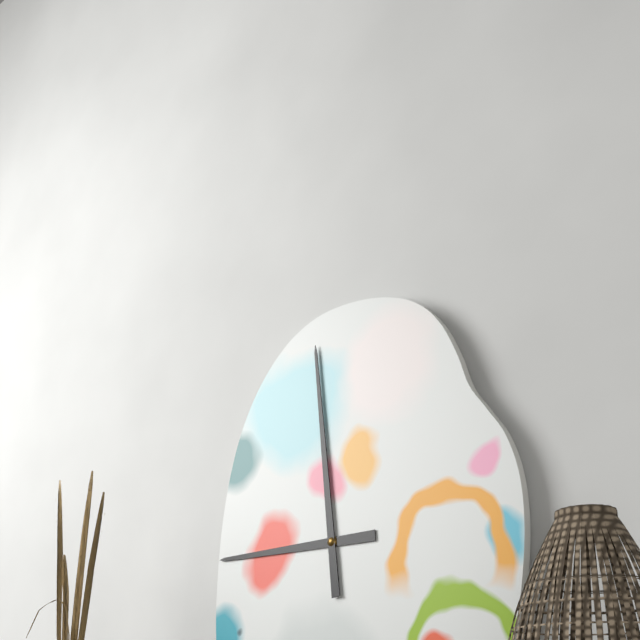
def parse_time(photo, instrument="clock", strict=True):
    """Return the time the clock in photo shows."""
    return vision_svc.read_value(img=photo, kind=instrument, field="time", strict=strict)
8:59
